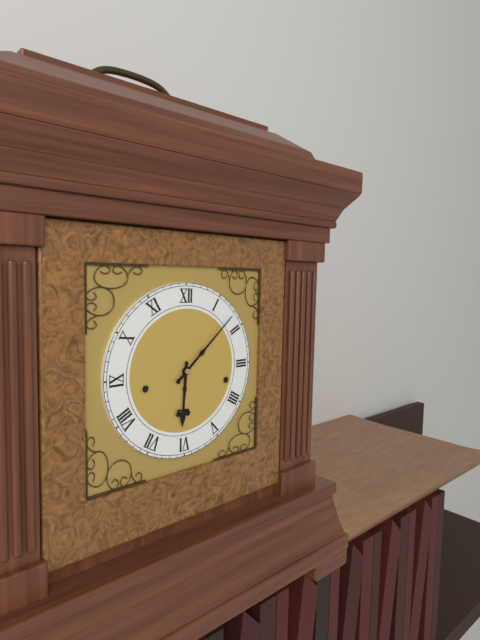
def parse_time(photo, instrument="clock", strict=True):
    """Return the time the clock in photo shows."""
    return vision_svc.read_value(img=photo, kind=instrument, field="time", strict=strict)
6:08
